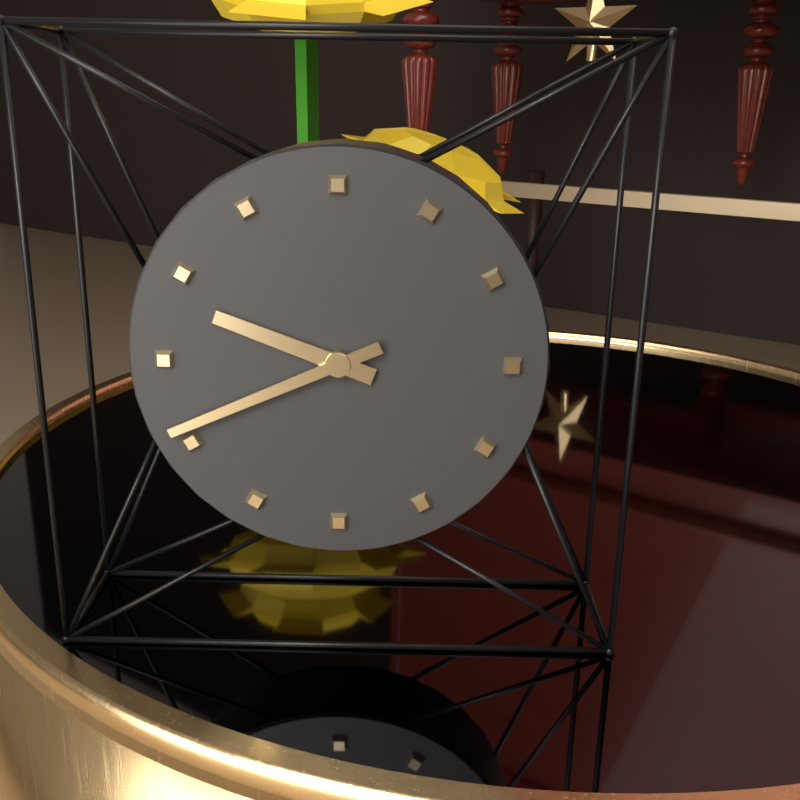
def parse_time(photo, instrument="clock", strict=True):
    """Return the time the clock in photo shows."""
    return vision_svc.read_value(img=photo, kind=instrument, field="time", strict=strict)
9:41
